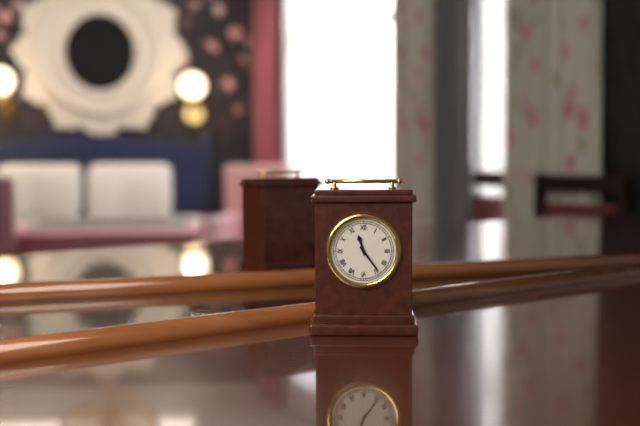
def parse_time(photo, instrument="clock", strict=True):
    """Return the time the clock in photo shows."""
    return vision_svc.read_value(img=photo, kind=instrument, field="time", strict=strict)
11:24
